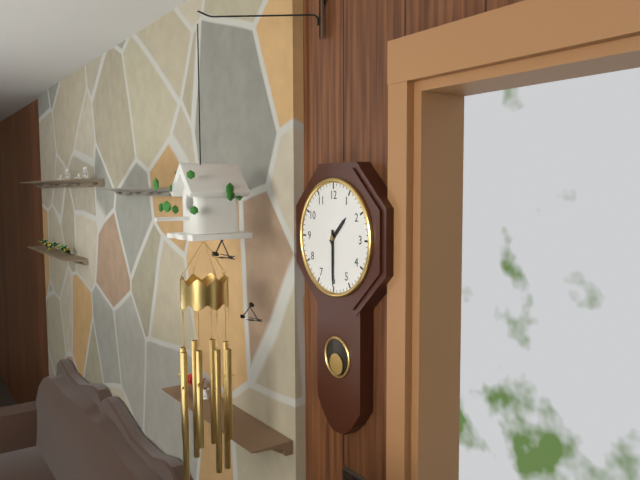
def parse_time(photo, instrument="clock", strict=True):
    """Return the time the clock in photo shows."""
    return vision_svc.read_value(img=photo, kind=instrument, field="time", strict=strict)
1:30
